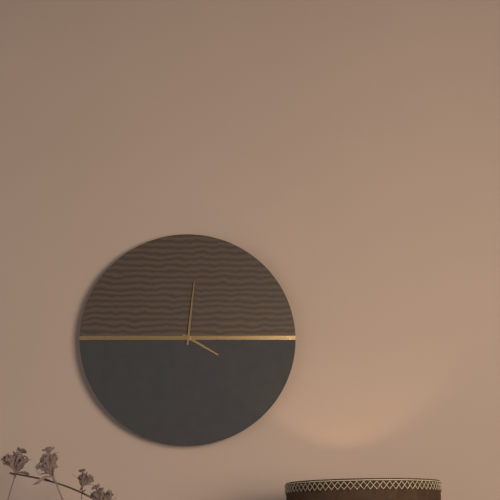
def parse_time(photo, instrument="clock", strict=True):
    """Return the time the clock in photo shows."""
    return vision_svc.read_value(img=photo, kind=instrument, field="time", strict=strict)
4:01
